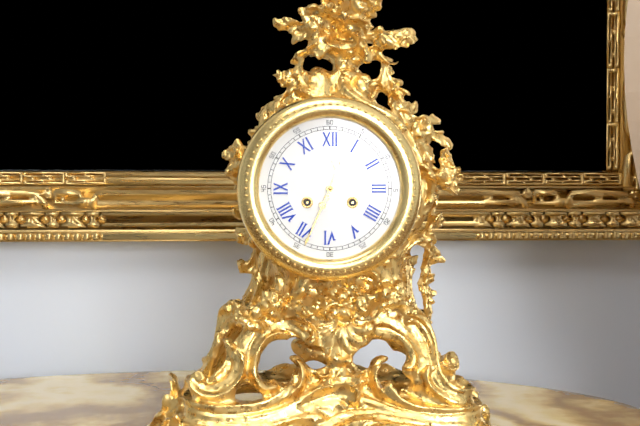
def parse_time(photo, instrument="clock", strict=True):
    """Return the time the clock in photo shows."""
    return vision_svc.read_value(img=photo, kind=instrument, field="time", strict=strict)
12:34
